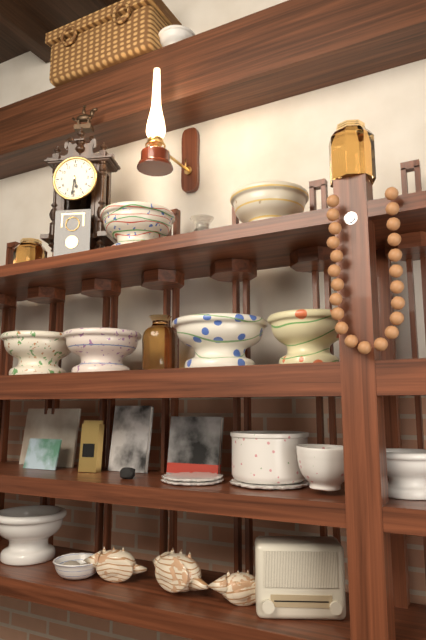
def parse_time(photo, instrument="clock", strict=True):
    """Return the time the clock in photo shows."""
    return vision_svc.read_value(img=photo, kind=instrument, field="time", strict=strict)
5:31
